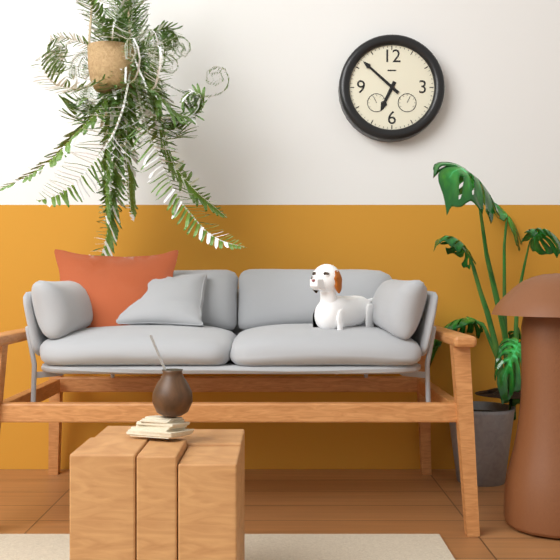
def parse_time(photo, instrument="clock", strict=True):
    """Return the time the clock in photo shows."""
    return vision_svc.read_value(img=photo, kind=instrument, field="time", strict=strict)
6:52
